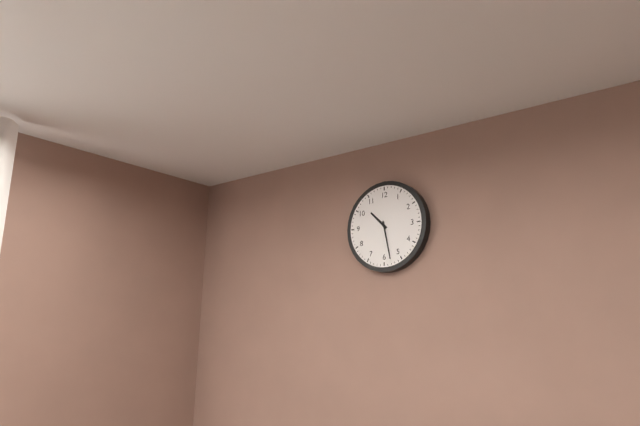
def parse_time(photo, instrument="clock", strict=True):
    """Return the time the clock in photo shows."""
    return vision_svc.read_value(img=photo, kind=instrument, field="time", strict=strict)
10:28
